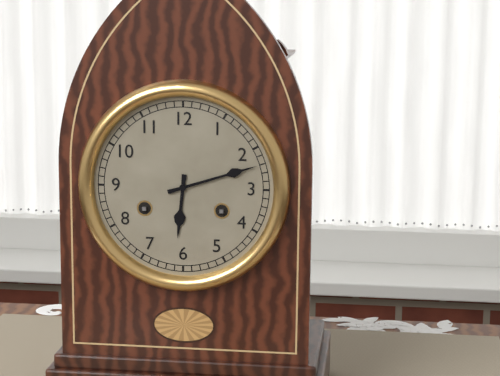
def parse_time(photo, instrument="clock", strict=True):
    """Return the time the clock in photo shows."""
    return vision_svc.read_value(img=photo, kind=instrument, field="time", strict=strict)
6:12
